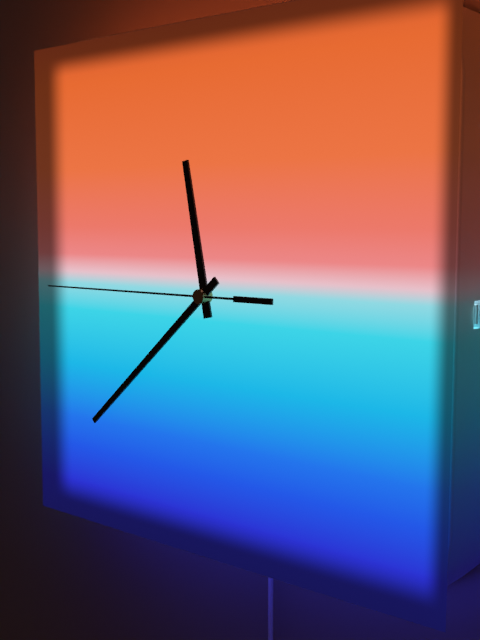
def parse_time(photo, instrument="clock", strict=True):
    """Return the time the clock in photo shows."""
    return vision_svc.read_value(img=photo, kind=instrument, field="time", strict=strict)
11:38:45
